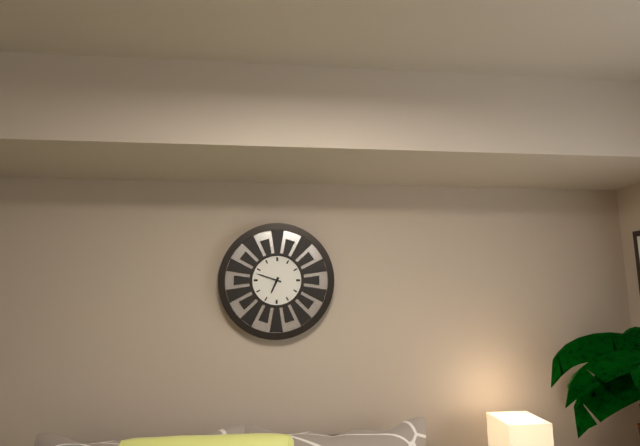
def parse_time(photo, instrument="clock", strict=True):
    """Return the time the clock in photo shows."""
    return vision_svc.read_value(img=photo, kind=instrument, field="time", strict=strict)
6:48
